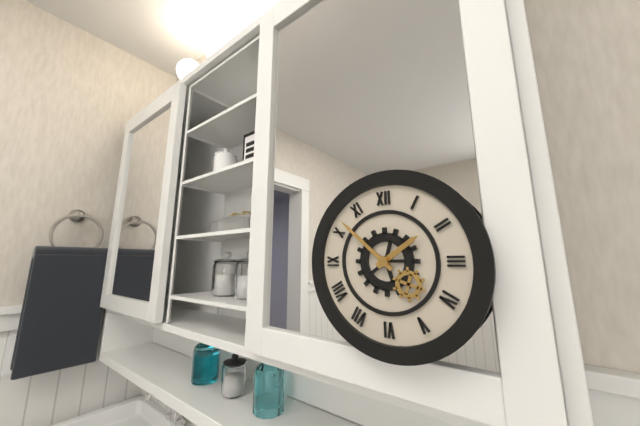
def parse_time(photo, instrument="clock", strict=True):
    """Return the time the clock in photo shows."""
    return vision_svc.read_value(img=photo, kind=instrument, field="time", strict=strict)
1:52
